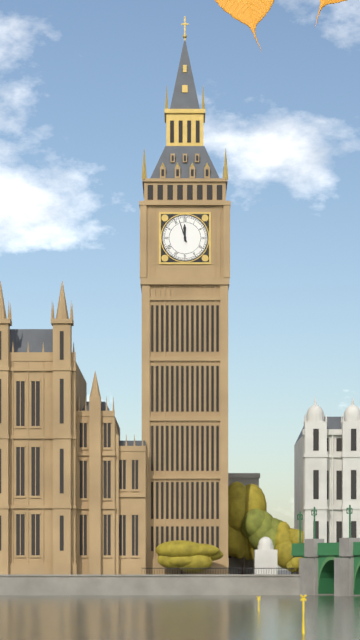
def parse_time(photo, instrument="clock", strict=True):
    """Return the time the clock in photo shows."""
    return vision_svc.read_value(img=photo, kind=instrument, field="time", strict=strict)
11:57
